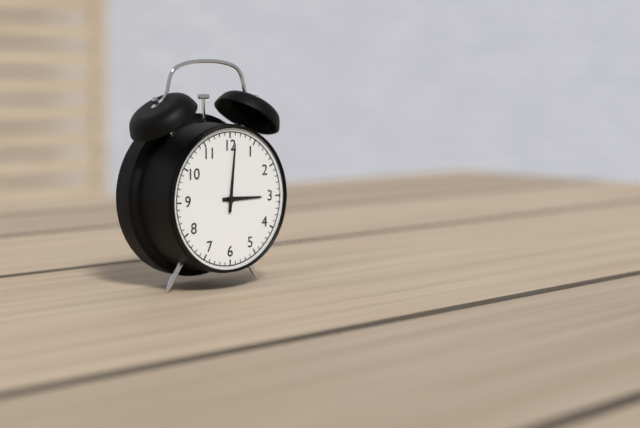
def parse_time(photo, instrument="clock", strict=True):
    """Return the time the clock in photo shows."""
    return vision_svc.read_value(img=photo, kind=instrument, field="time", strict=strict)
3:01
